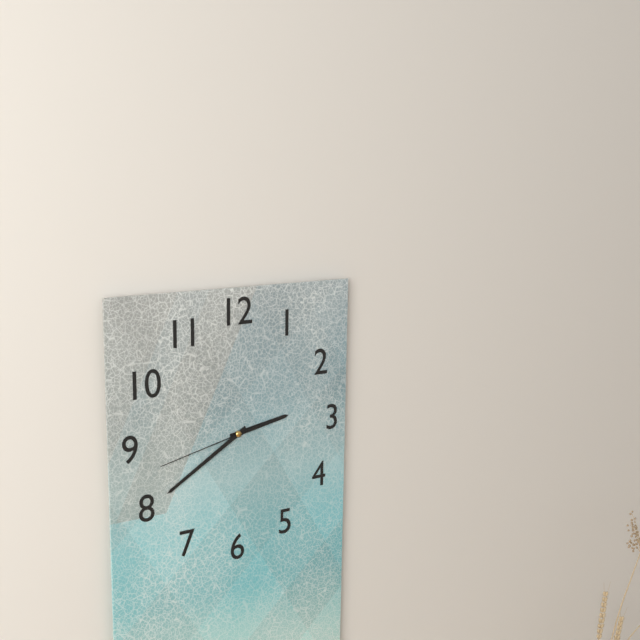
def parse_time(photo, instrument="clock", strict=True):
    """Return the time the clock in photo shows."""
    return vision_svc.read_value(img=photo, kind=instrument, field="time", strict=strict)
2:40:43
